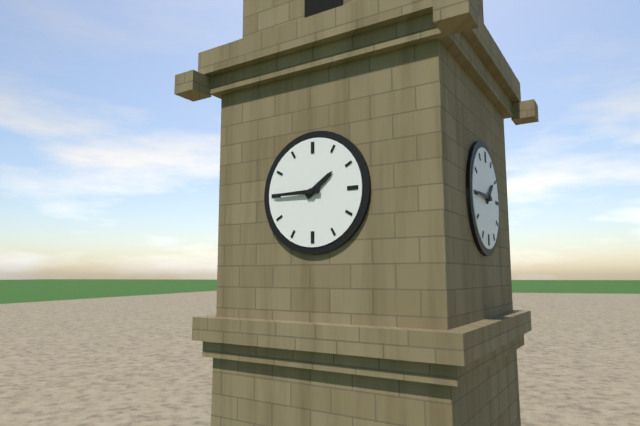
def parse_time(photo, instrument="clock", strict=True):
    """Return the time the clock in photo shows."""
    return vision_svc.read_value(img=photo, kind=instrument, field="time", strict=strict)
1:45
